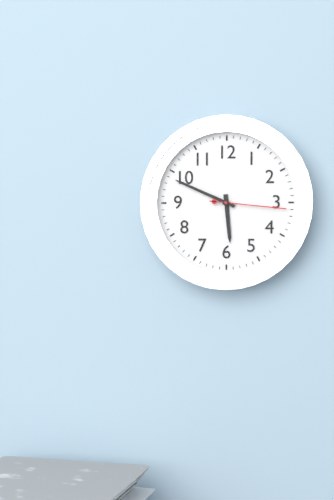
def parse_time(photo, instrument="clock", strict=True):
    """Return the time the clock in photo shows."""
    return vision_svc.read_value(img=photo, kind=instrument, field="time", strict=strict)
5:49:16
